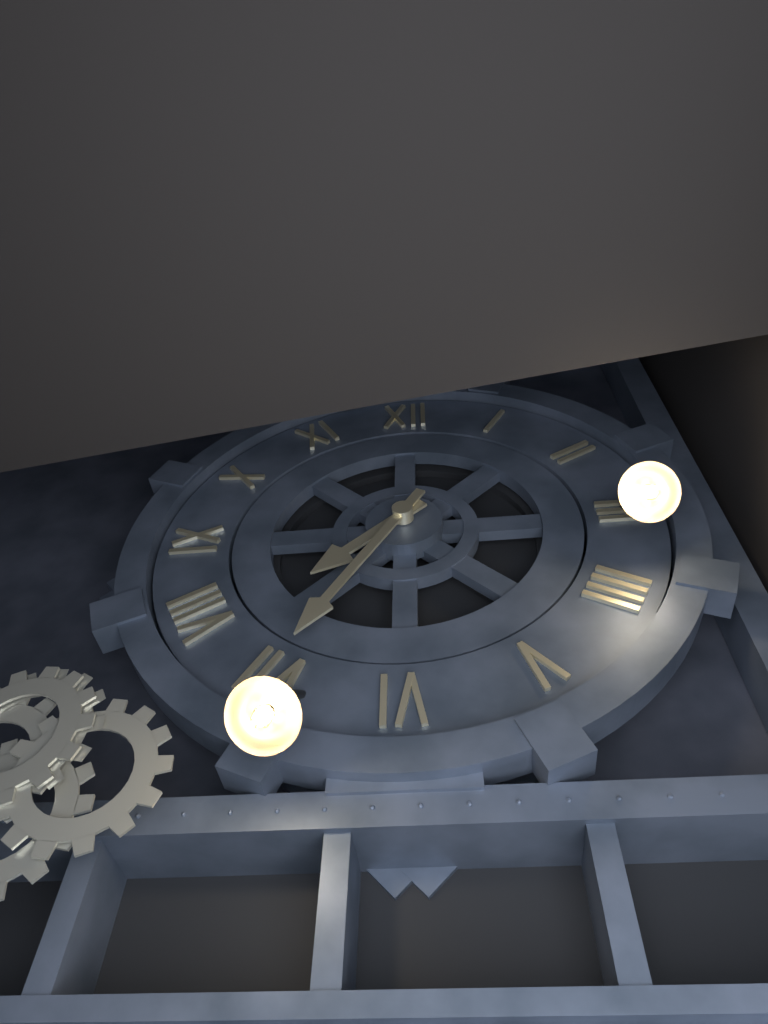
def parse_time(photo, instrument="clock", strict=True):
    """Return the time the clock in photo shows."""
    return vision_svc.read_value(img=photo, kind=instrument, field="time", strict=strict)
7:35
